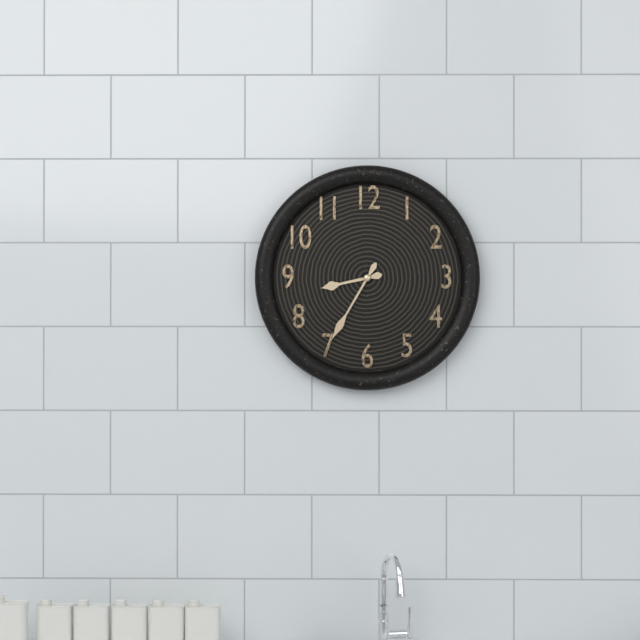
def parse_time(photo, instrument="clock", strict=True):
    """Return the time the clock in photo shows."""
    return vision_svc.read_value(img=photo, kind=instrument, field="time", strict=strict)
8:35
